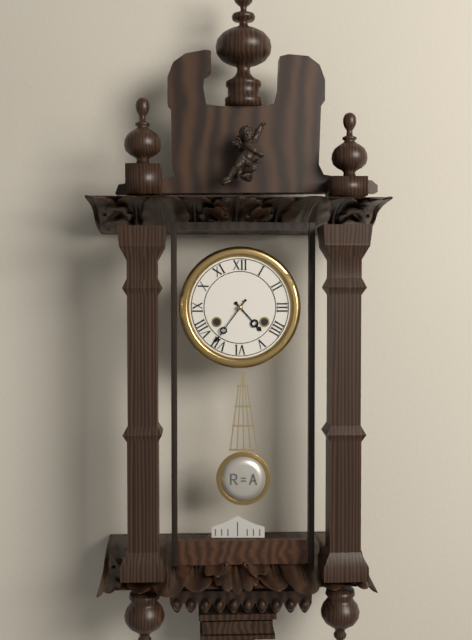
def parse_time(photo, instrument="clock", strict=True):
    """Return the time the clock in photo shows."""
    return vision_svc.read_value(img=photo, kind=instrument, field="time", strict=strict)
4:36
